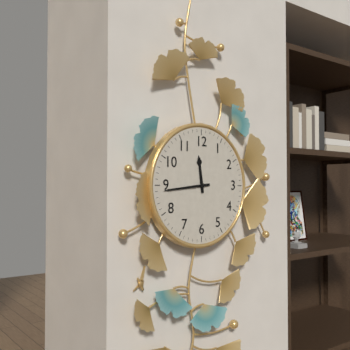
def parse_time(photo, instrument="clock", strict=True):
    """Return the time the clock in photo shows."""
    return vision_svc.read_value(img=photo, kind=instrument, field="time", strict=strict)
11:44
